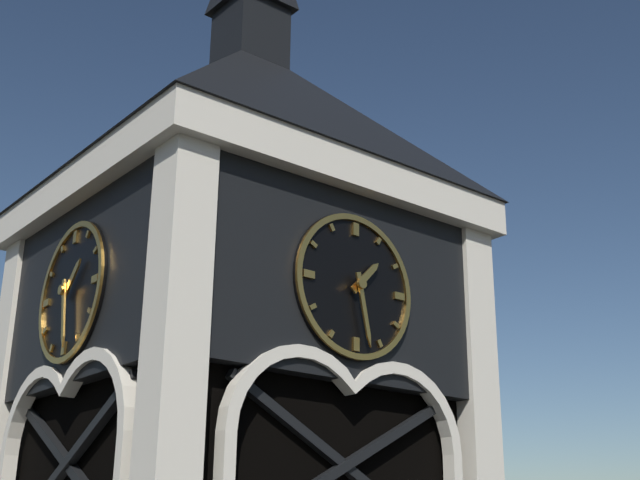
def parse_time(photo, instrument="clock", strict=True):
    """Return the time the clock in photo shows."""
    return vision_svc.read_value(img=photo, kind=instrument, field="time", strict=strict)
1:28
